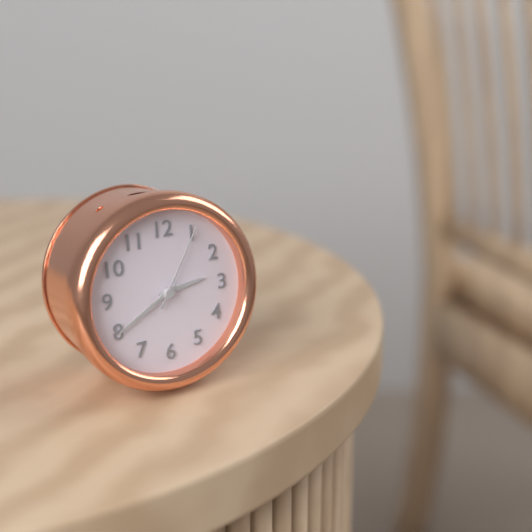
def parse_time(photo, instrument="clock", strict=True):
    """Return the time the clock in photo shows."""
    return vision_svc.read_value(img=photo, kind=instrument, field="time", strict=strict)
2:40:05
